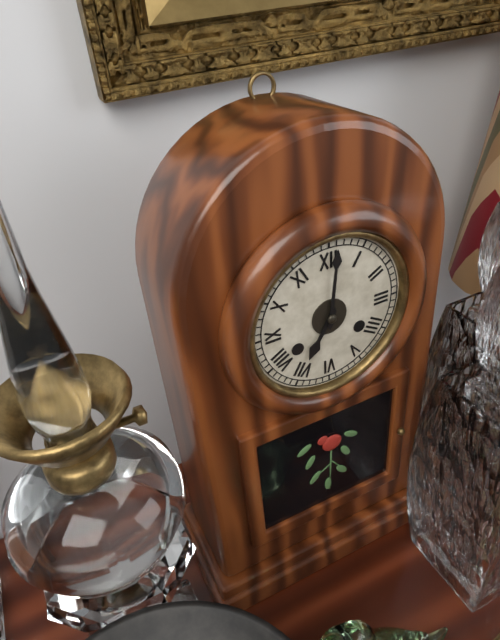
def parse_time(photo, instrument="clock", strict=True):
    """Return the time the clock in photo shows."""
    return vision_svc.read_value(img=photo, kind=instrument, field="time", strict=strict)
7:01
